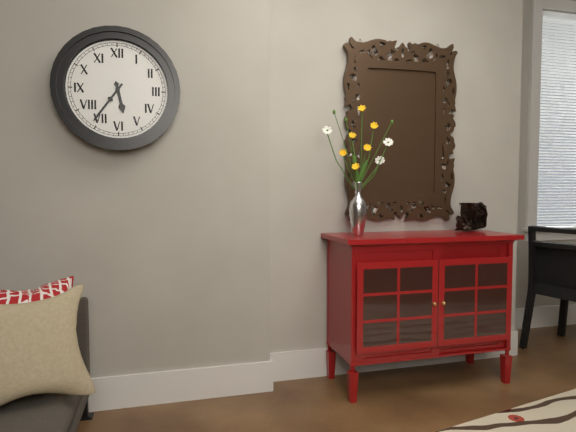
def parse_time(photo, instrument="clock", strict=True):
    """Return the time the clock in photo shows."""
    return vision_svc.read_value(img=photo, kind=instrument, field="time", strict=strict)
5:36
